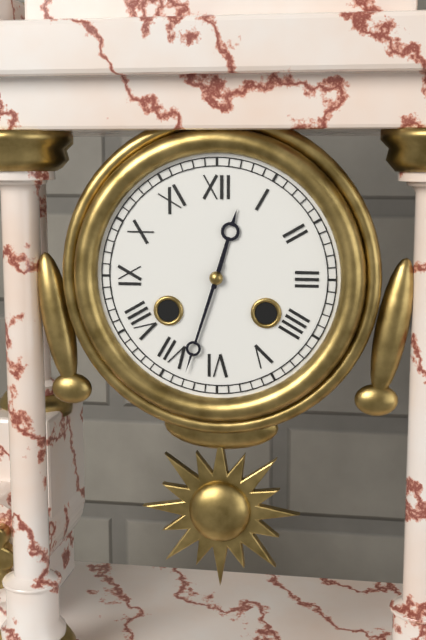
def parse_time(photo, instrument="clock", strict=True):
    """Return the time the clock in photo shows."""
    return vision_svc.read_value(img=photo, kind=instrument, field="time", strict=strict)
12:33
